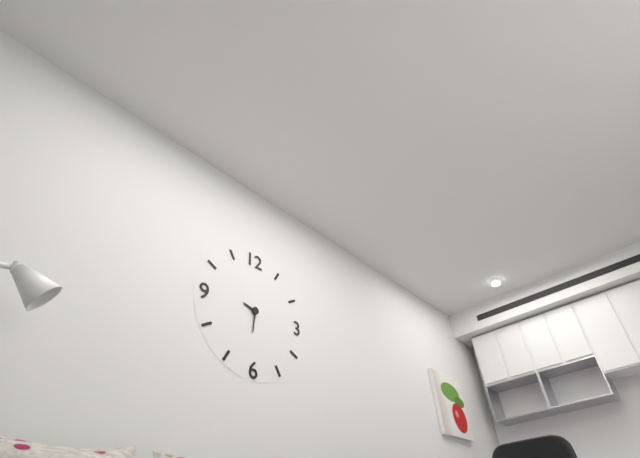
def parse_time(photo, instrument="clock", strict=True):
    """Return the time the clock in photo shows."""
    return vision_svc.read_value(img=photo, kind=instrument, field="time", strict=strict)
9:31
